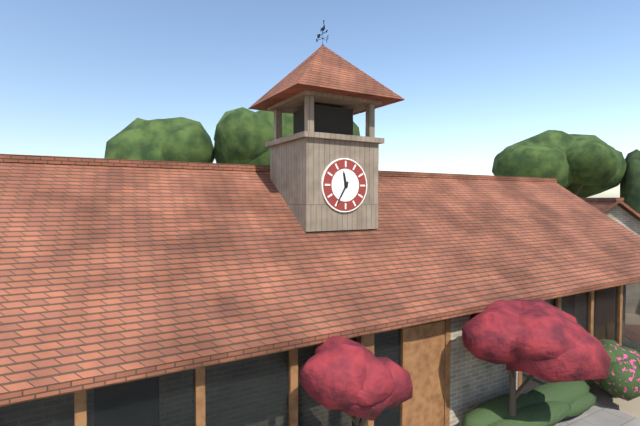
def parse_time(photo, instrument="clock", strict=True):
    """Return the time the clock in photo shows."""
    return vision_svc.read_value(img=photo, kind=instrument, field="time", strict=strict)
11:35
